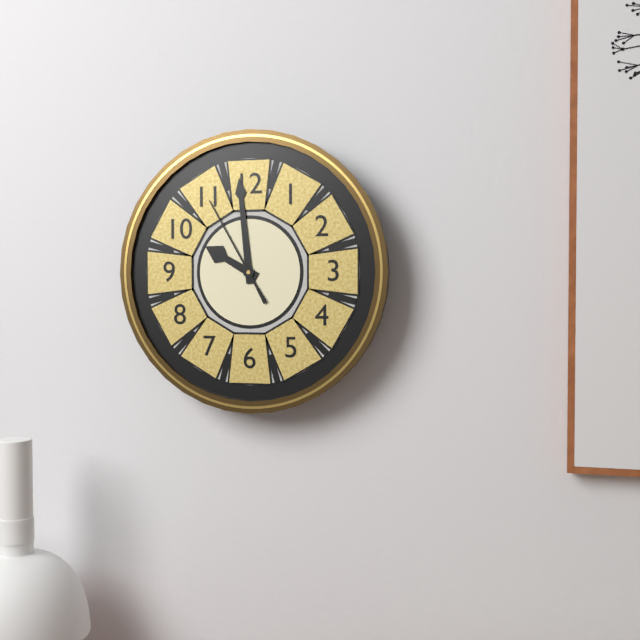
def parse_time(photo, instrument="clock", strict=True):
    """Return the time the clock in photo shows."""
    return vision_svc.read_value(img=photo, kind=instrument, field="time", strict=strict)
9:59:55
